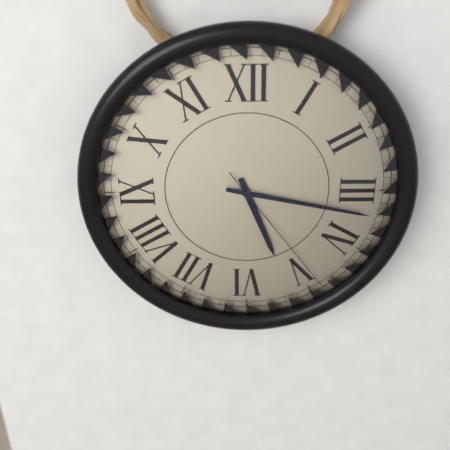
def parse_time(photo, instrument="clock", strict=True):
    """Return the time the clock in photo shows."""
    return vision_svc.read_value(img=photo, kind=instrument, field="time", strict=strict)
5:17:24
